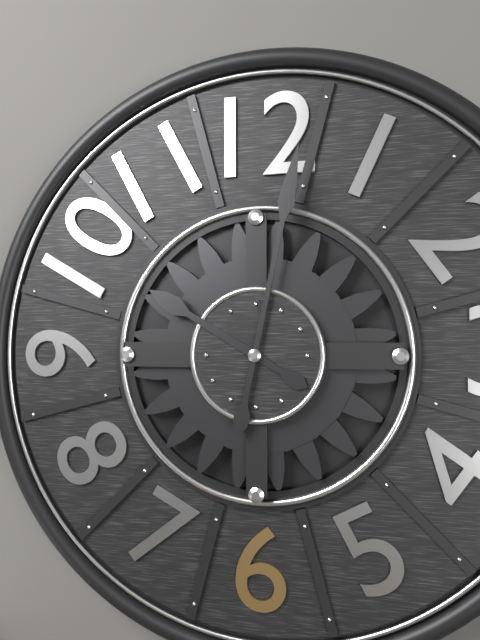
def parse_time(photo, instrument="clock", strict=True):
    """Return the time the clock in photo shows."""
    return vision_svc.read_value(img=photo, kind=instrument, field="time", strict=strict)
10:02
